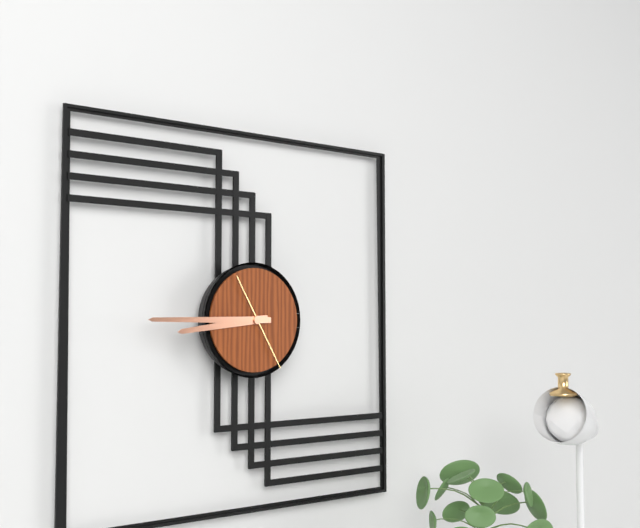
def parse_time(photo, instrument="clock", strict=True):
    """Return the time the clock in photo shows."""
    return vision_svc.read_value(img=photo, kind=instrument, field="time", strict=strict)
8:45:25
